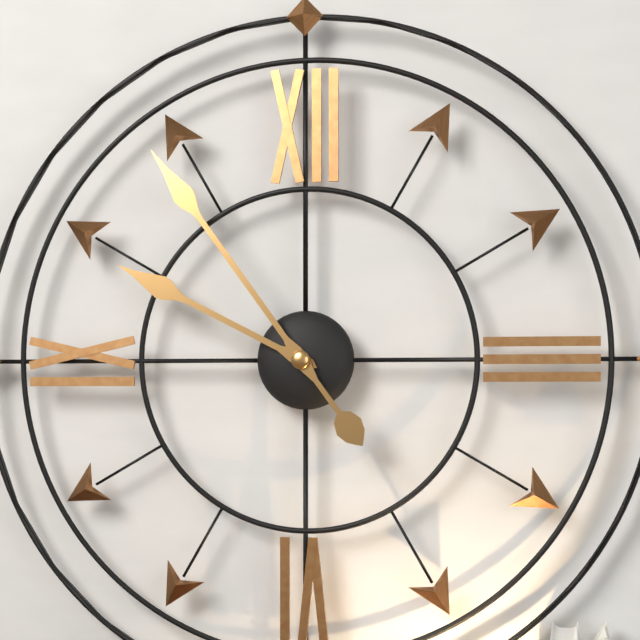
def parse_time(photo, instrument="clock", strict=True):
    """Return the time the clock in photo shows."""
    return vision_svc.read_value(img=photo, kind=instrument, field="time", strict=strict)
9:54
